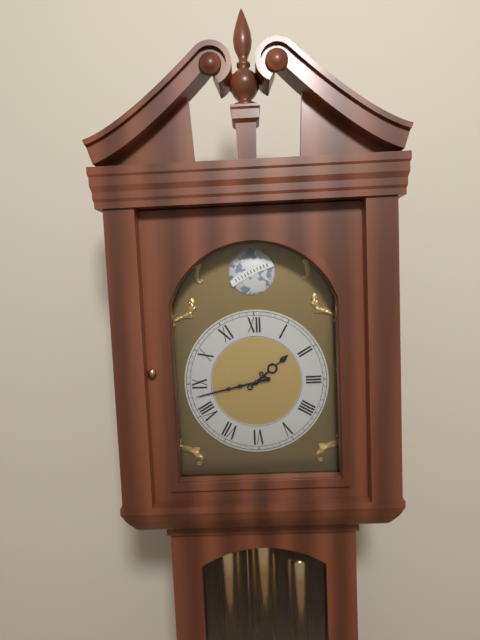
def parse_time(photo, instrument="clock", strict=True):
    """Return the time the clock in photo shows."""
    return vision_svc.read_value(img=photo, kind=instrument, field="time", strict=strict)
1:43
